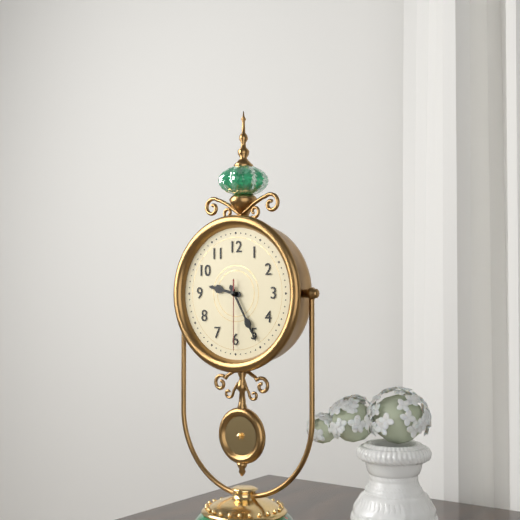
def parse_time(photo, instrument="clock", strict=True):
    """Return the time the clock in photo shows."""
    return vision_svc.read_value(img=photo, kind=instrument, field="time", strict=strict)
9:25:30
